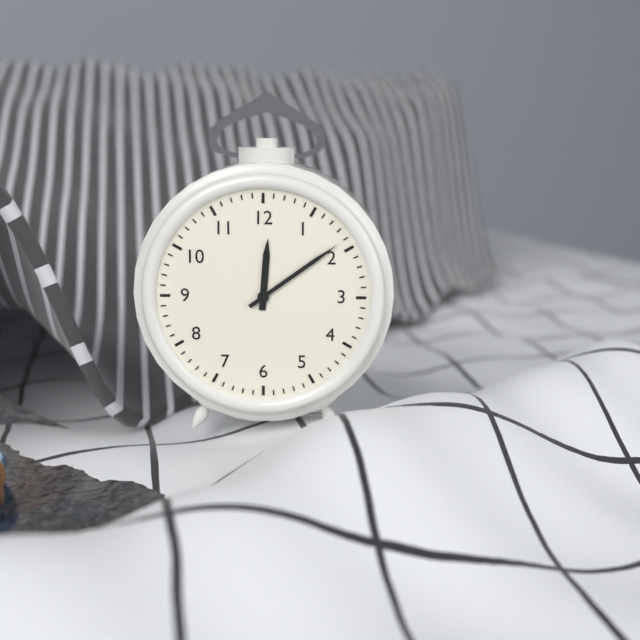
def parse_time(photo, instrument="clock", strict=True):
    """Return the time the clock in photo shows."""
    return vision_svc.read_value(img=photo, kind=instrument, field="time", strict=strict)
12:09
